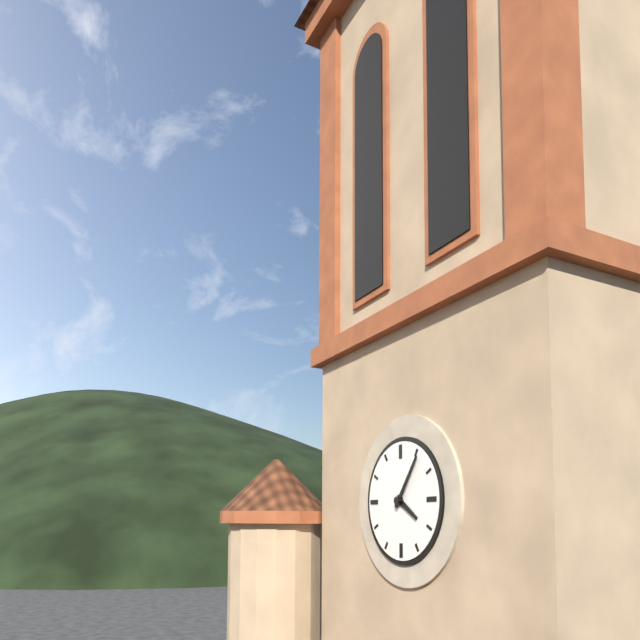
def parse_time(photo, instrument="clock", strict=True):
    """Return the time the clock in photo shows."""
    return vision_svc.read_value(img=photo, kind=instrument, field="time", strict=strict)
4:06
